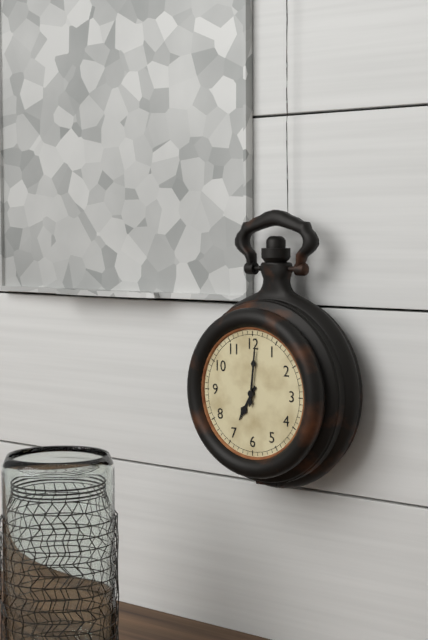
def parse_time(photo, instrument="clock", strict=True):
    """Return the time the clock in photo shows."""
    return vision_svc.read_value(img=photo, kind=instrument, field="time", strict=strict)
7:01
